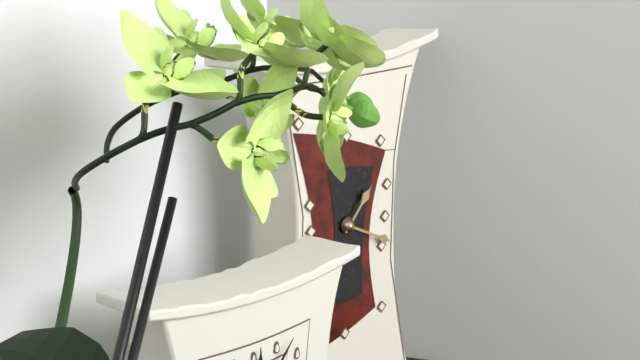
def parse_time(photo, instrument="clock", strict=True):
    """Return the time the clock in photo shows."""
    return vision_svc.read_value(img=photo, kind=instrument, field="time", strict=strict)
1:19
